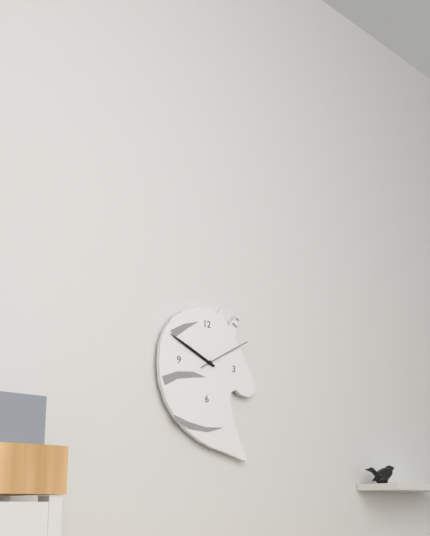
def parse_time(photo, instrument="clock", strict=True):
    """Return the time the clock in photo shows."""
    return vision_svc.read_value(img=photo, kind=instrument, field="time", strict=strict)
9:49:10
